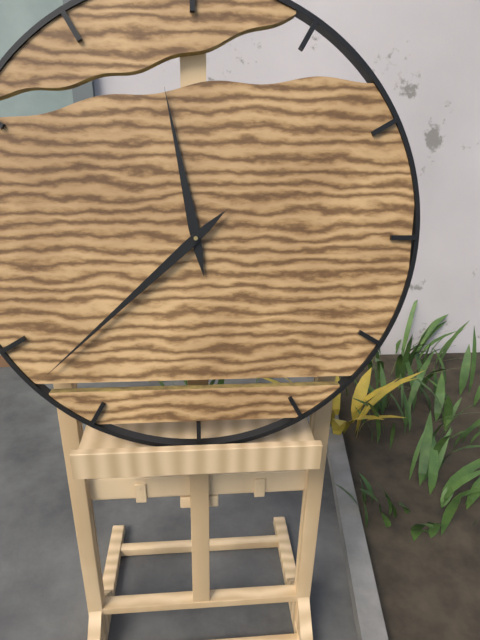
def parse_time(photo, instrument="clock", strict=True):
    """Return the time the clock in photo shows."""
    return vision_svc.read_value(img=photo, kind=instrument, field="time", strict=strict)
11:38
